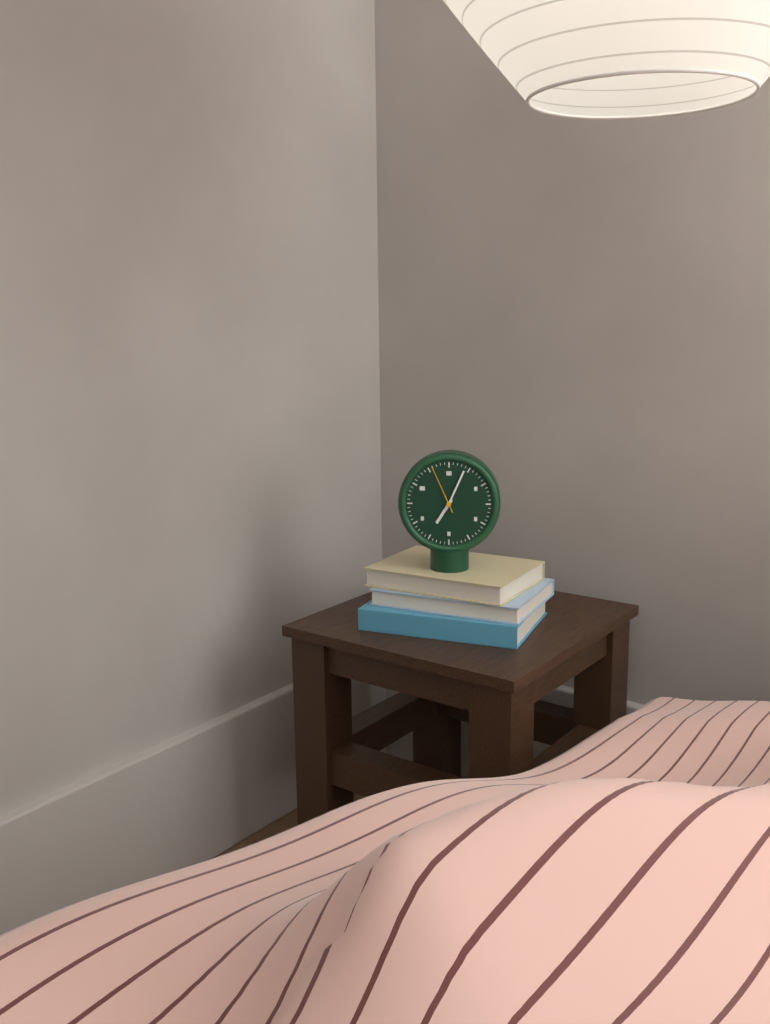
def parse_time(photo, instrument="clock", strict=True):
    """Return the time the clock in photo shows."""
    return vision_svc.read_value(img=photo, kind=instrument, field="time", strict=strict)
7:04:56
